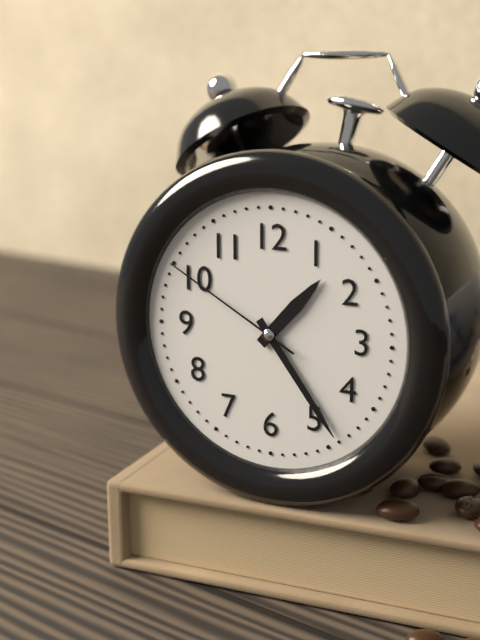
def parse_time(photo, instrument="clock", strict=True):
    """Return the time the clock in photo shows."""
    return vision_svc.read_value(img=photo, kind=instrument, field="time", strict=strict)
1:24:50
